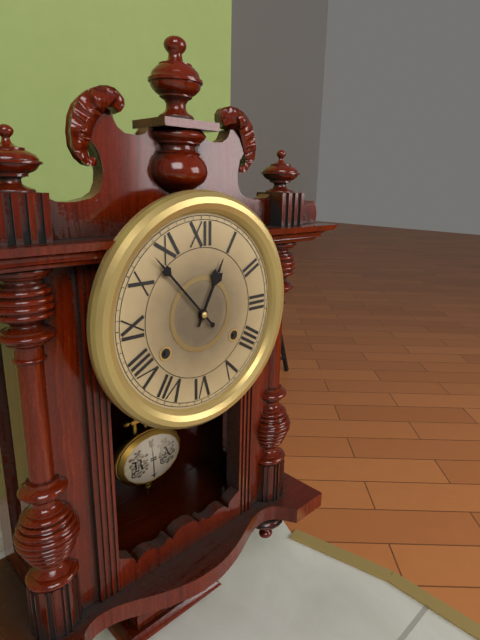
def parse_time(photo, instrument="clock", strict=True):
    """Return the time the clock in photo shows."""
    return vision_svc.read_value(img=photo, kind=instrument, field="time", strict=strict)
12:53
